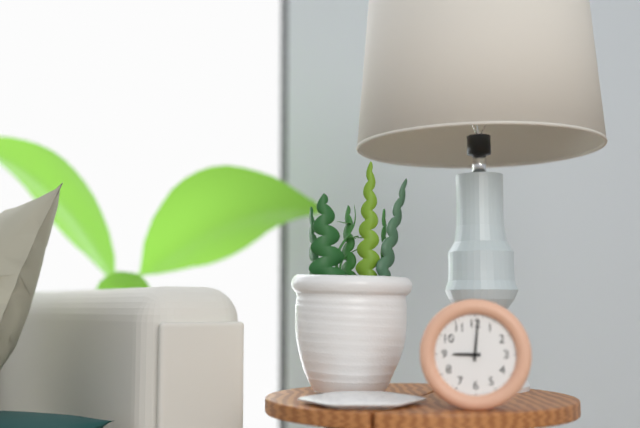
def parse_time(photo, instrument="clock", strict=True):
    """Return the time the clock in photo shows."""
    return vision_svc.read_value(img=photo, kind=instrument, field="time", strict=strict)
9:01
